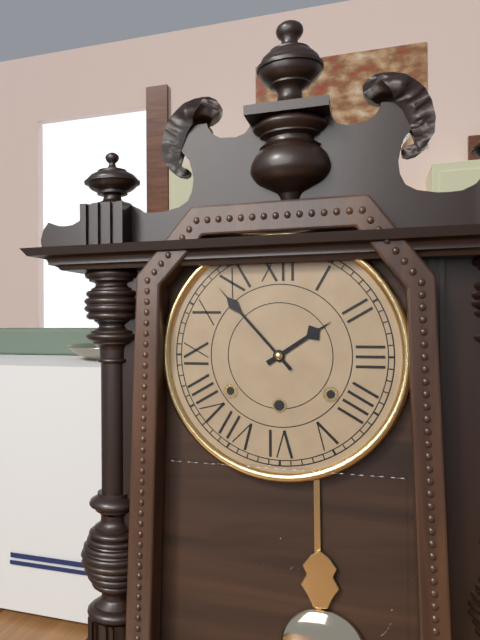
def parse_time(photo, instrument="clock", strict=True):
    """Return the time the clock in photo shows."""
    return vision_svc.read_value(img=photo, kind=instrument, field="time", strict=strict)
1:53
